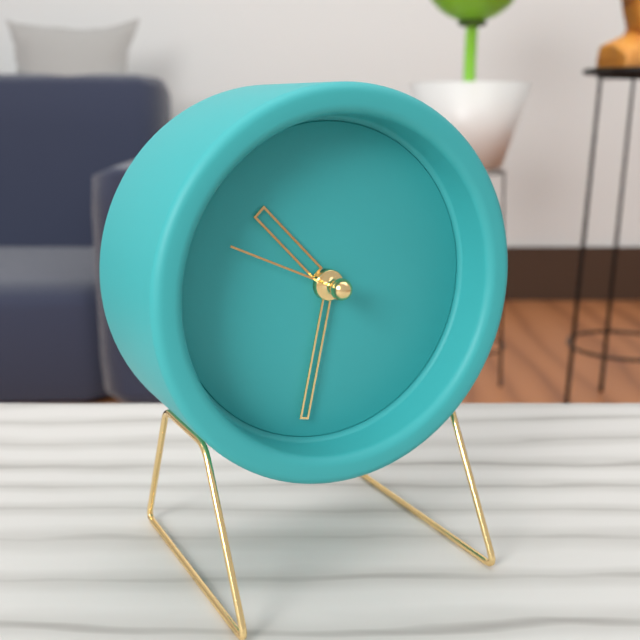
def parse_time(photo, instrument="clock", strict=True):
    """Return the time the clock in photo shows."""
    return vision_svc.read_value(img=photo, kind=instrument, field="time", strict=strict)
10:32:49
